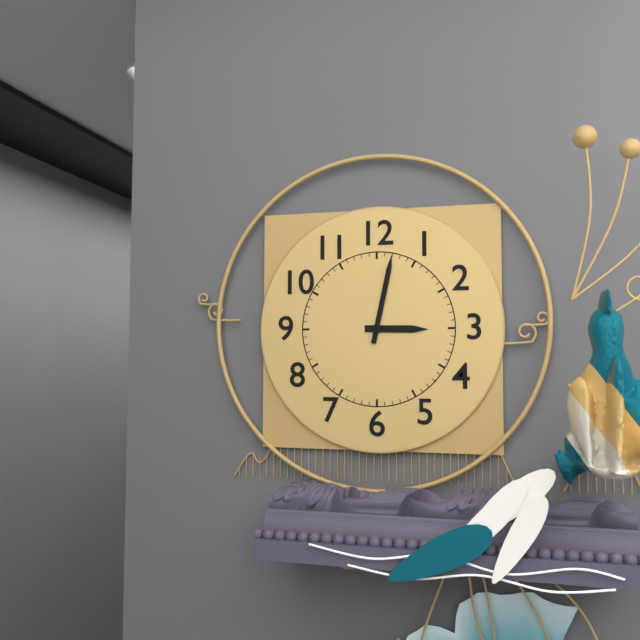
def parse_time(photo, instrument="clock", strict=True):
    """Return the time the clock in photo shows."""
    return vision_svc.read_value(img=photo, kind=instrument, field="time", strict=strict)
3:02
